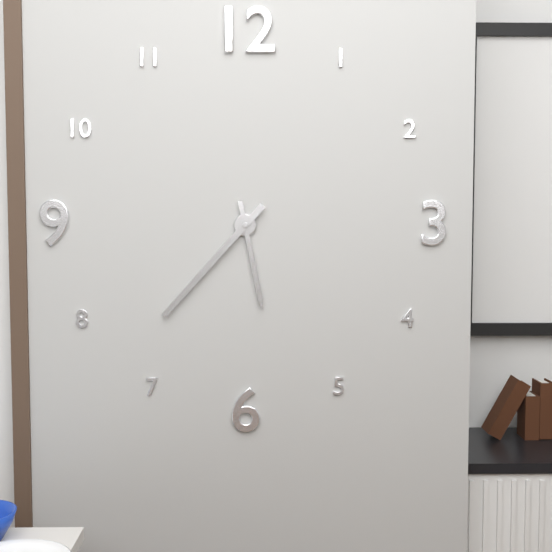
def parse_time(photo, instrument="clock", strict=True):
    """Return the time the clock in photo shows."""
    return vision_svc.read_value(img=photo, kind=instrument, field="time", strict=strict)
5:37
